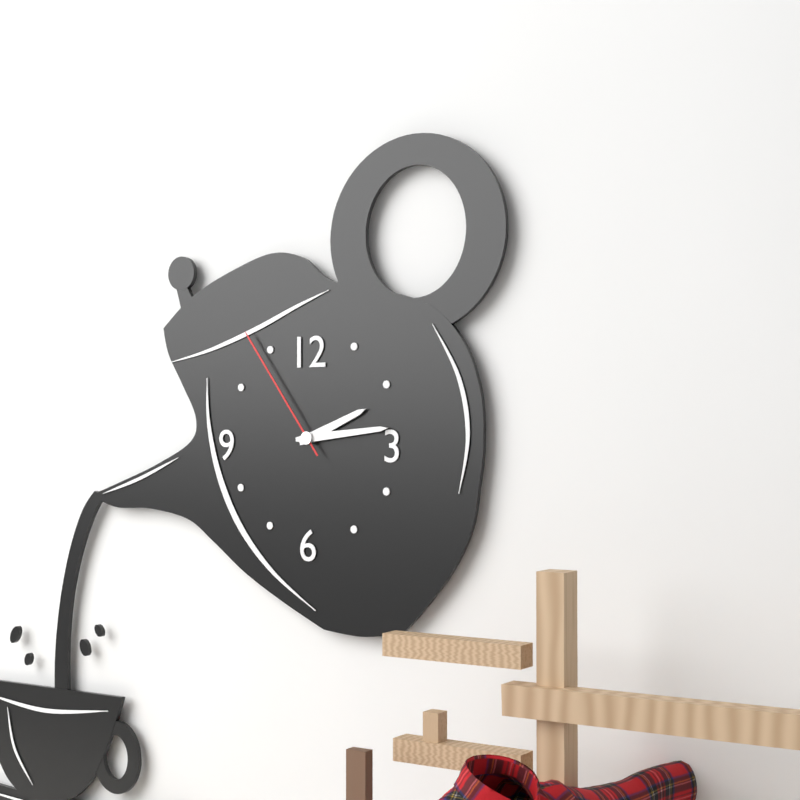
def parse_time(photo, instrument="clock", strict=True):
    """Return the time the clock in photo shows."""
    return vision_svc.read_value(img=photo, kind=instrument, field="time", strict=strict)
2:14:54
